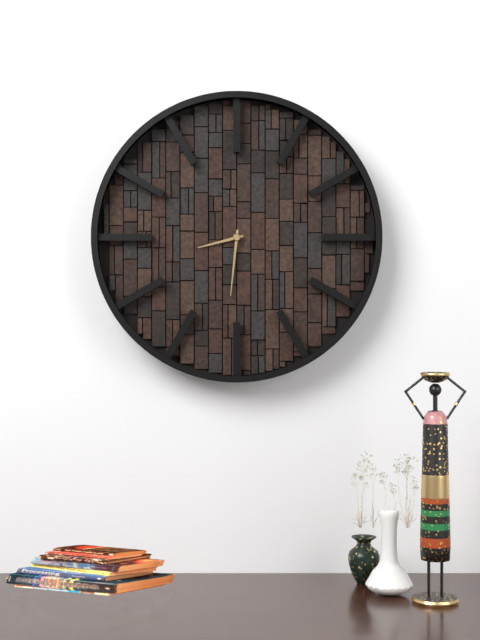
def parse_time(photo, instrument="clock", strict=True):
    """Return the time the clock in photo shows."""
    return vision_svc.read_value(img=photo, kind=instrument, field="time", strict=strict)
8:31
